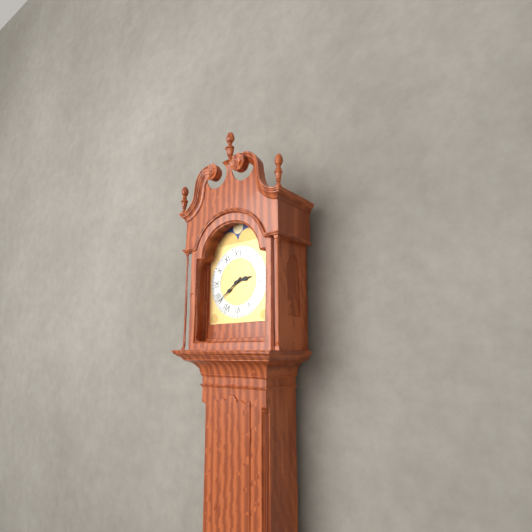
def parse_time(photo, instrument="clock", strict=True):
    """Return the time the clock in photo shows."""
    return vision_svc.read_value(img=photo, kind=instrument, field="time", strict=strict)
2:39
